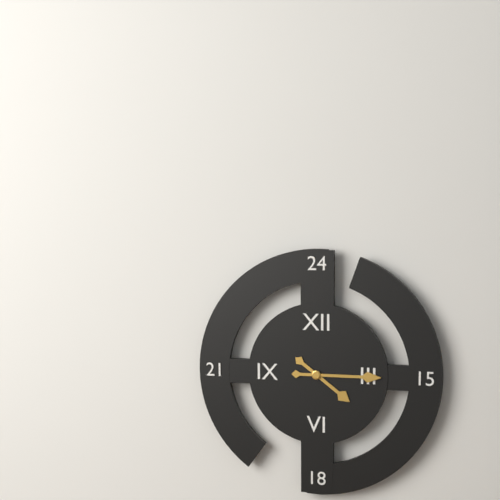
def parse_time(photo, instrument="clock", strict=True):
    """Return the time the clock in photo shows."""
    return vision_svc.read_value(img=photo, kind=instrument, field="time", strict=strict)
4:15
